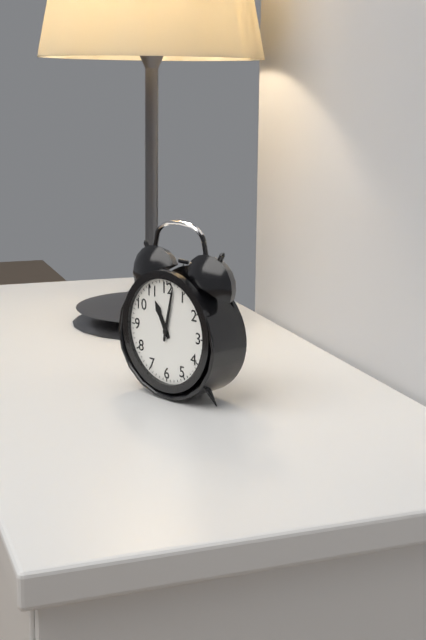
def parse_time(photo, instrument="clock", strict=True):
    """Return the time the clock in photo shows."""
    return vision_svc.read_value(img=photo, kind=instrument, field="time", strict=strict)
11:02
